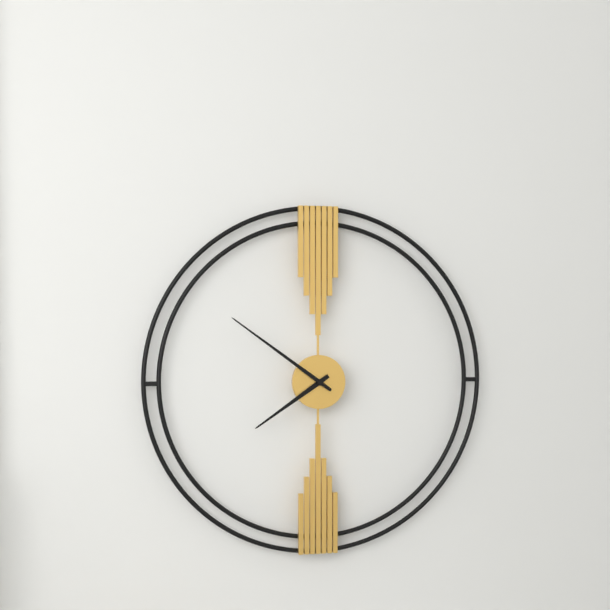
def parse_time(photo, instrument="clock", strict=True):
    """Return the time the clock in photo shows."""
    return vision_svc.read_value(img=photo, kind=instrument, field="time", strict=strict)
7:51
